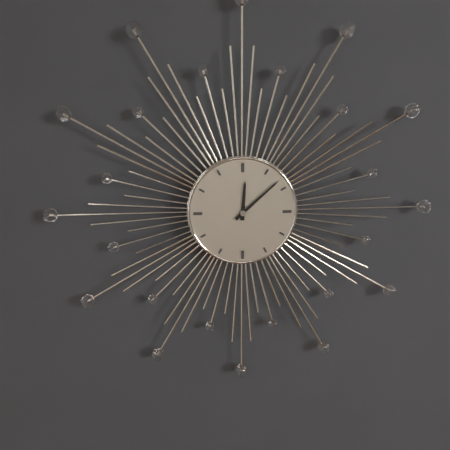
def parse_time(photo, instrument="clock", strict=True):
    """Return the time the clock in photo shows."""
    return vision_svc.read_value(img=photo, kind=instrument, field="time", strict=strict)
12:08
